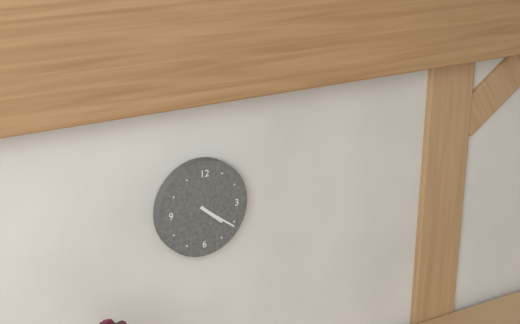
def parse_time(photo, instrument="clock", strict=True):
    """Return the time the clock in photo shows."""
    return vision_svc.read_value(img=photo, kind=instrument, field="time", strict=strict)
4:21
